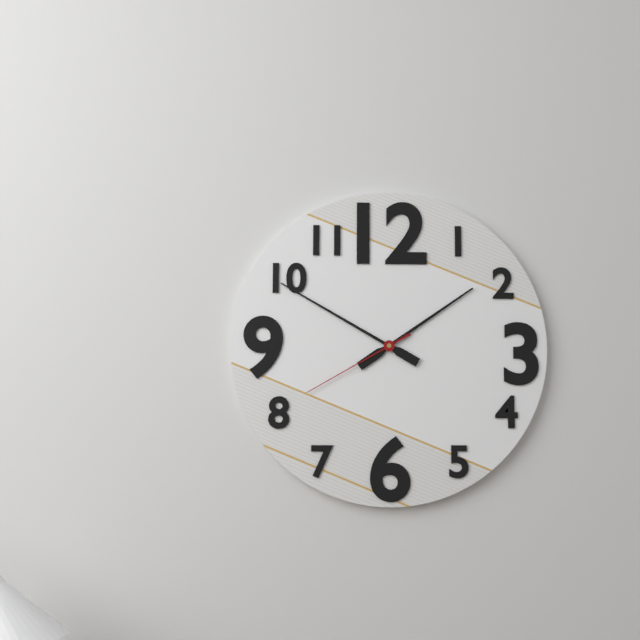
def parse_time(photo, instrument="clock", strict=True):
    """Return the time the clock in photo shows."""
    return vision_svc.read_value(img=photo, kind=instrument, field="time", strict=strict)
1:50:40
